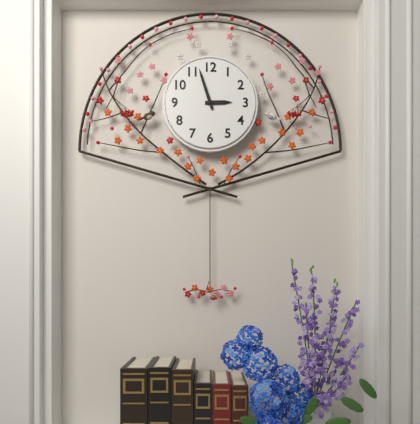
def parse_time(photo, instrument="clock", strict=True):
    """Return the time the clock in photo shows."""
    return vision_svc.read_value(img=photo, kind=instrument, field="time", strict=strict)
2:57
